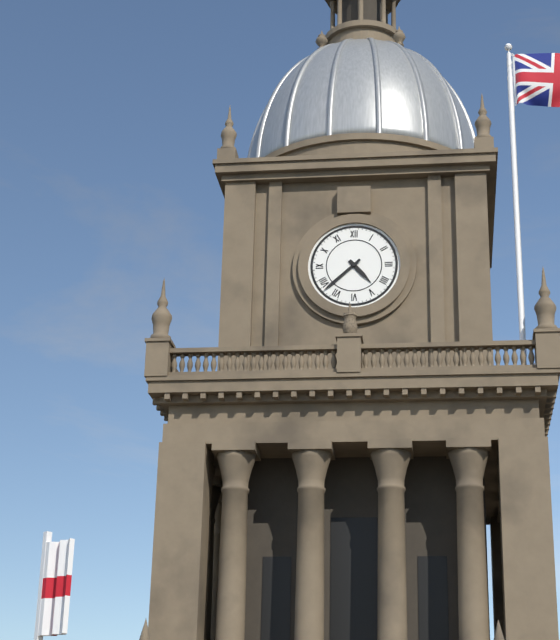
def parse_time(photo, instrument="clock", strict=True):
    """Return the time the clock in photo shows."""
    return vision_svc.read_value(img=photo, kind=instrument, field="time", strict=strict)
4:38
